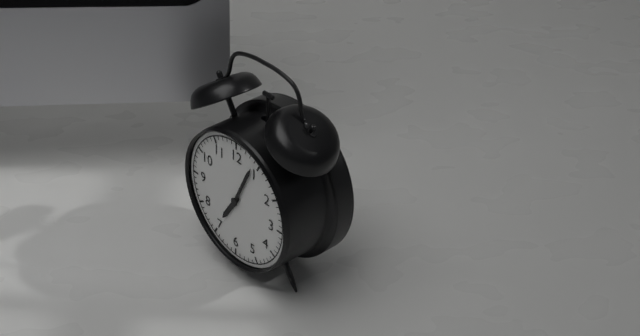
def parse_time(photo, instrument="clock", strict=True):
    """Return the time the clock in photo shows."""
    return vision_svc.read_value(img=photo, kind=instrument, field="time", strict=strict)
7:04
